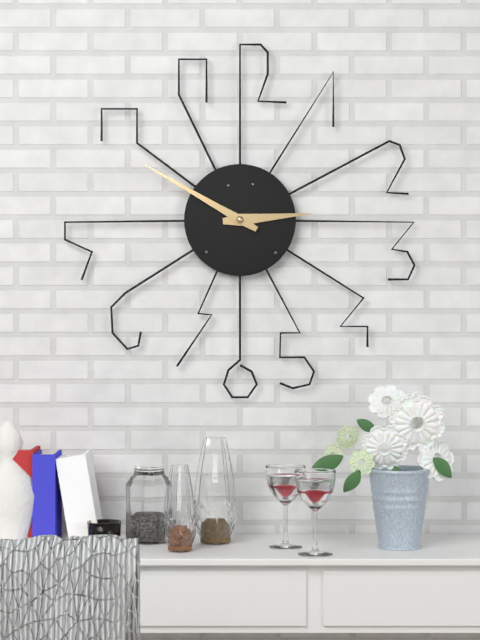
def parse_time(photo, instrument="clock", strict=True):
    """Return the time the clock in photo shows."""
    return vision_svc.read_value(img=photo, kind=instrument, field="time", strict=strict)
2:50
